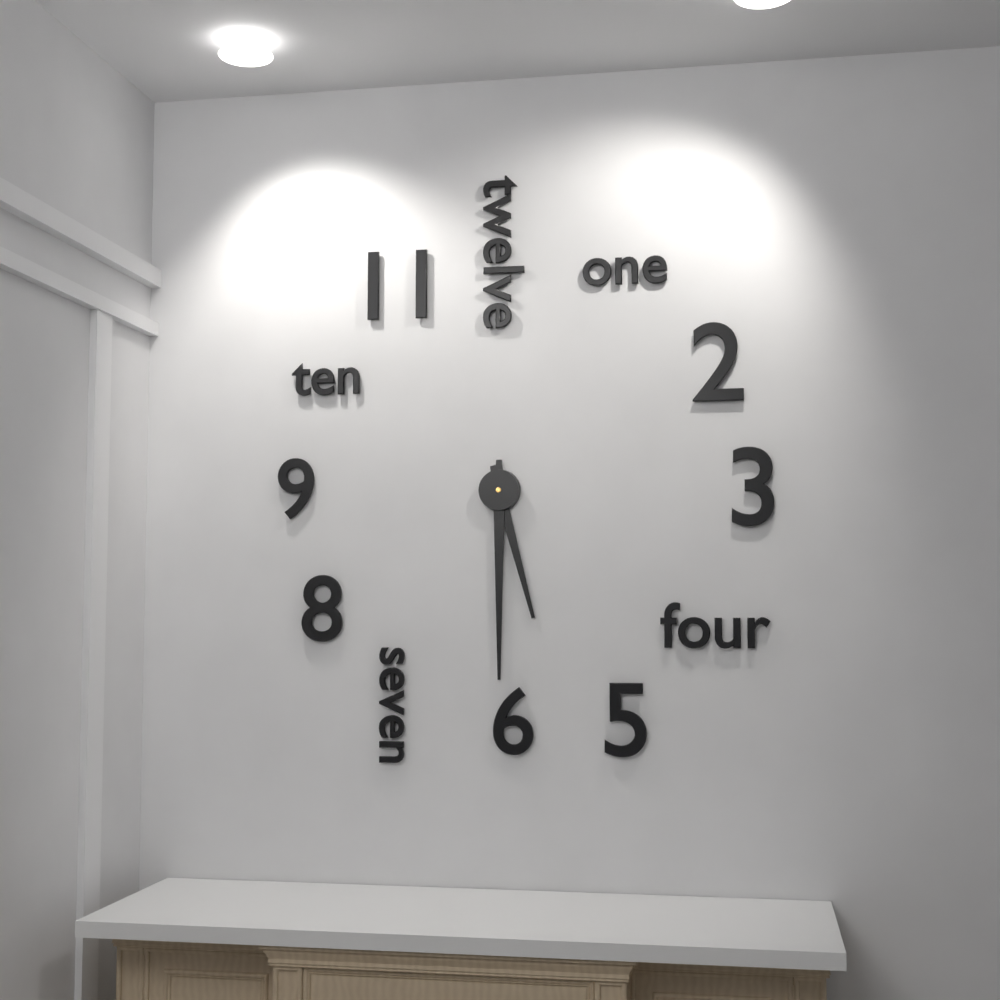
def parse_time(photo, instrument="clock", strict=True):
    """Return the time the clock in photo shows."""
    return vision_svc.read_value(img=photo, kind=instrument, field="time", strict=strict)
5:30
